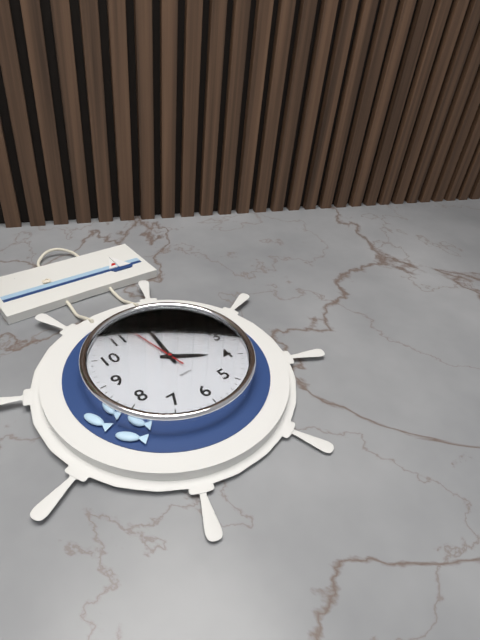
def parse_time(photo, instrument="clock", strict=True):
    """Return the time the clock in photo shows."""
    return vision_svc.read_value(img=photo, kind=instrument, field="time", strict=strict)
4:01:58
